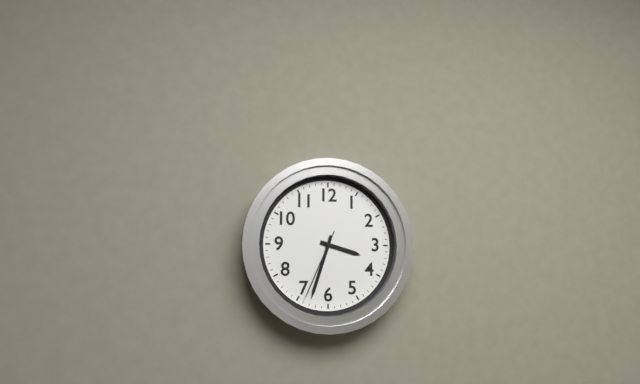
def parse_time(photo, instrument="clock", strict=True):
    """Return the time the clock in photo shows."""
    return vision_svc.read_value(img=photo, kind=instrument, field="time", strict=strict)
3:33:34
